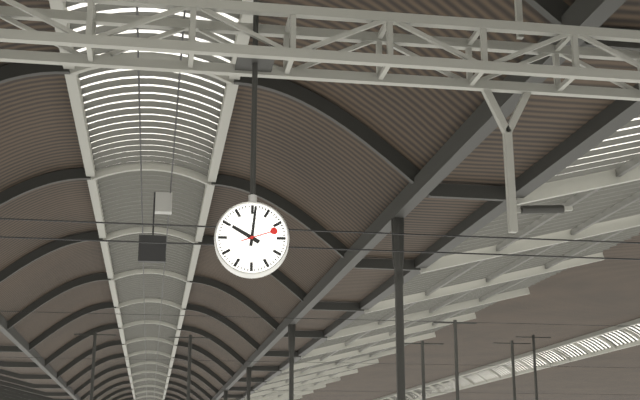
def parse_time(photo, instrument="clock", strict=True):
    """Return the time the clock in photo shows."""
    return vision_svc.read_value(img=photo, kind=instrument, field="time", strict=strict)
10:01
